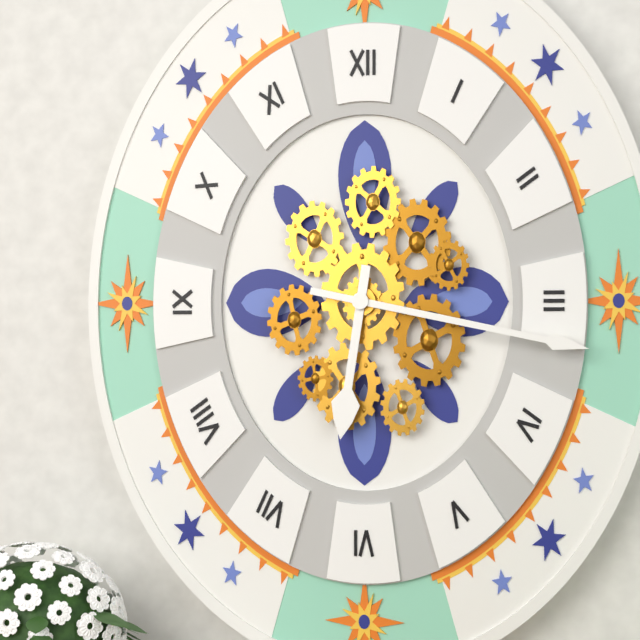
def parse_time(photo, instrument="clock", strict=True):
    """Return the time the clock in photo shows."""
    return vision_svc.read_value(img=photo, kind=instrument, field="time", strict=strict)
6:17
